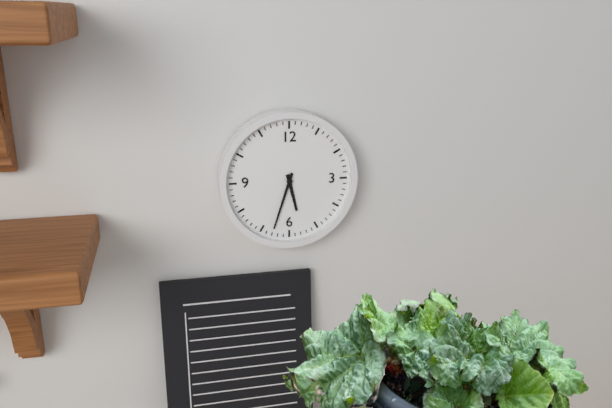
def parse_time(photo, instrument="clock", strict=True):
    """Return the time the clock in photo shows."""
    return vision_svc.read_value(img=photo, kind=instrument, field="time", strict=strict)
5:33
